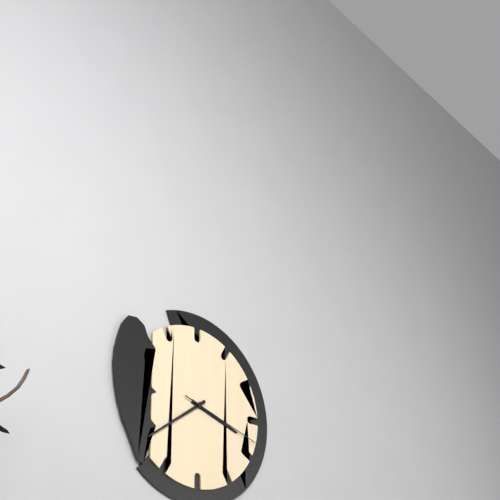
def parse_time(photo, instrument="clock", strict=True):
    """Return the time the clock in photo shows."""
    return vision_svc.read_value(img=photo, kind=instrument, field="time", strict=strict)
3:39:18
